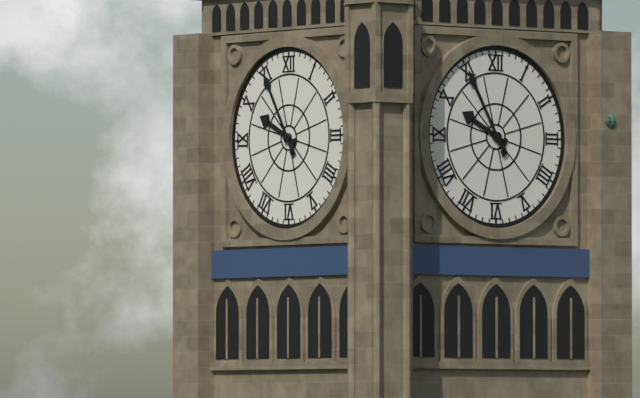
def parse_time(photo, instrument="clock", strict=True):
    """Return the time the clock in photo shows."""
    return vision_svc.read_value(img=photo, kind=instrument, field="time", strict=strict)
9:55
